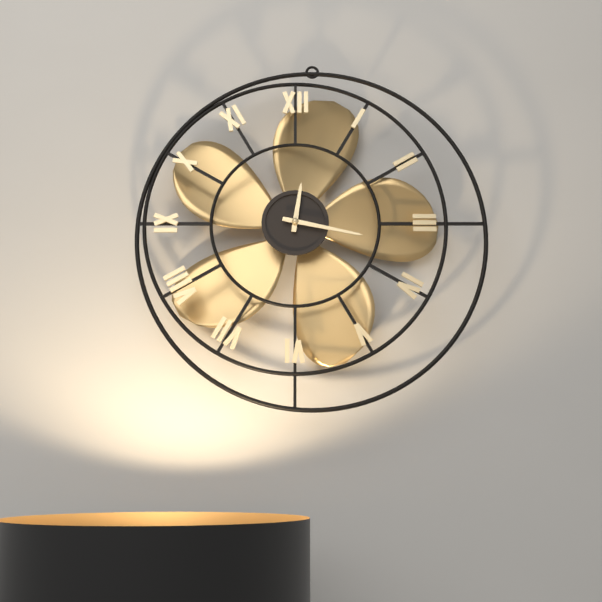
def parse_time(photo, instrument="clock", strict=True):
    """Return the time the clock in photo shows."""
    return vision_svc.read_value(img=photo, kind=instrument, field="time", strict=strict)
12:17
